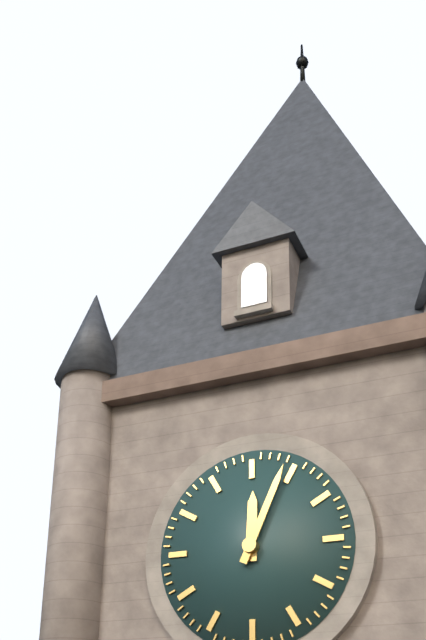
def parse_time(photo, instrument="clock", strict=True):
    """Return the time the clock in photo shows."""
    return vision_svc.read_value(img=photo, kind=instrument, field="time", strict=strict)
12:04
